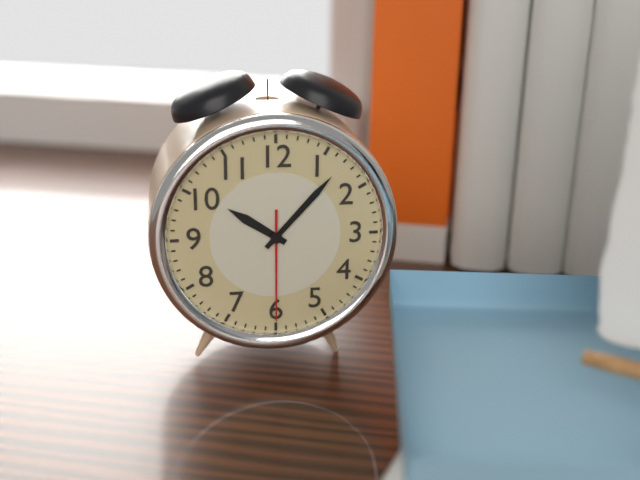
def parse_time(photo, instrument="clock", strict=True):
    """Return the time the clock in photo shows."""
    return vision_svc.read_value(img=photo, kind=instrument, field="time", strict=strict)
10:07:30
